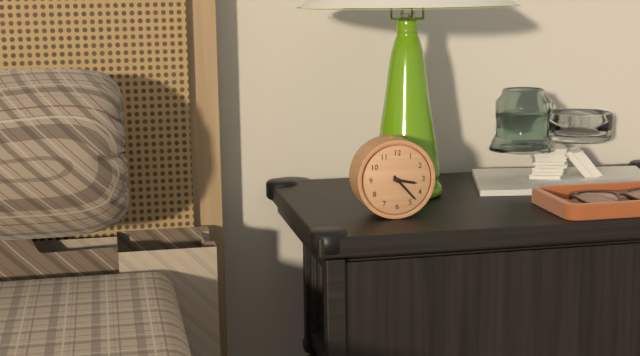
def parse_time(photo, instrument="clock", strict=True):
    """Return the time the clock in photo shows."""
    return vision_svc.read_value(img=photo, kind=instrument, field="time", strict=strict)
3:23
